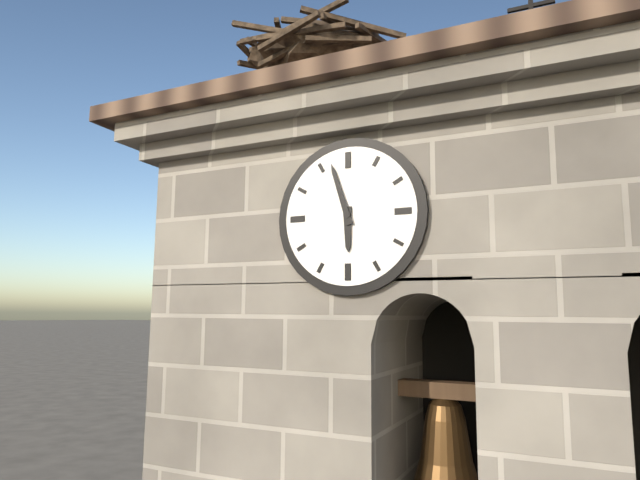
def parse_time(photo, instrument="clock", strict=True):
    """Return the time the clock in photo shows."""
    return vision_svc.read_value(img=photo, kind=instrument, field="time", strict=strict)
5:57
